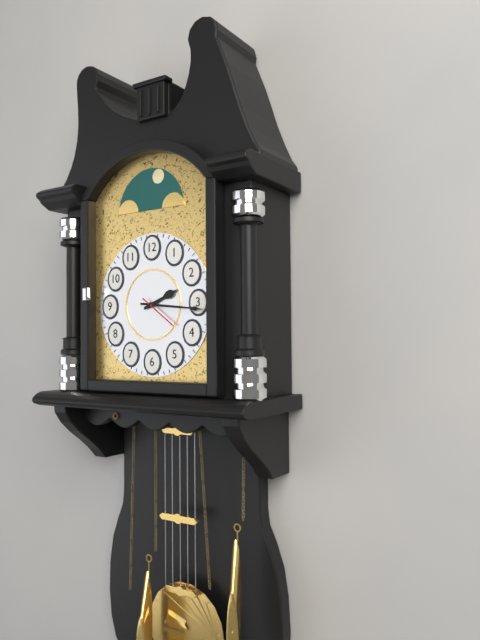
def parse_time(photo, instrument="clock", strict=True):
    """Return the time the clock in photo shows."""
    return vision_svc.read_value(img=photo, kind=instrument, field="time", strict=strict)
2:16
